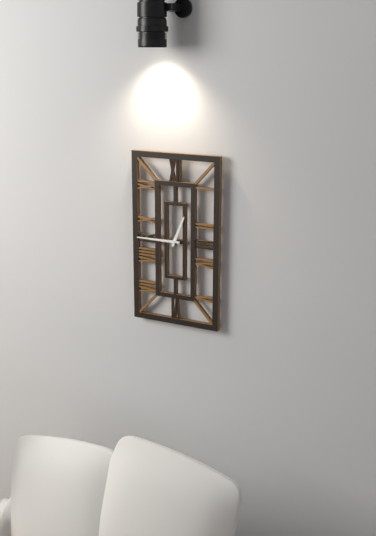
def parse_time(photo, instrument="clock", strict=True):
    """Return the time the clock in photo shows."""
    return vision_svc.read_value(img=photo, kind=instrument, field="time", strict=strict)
12:45
